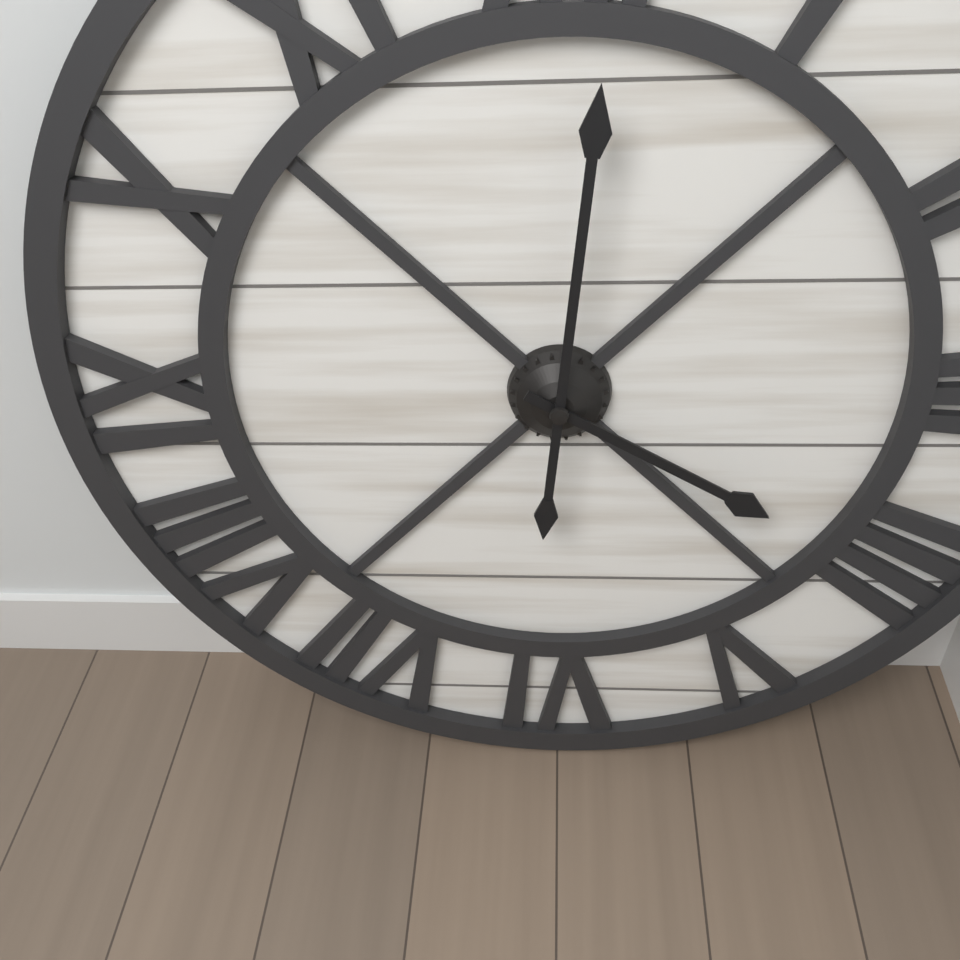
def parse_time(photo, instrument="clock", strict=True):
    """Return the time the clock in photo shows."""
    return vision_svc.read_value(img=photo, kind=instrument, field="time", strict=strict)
4:01
